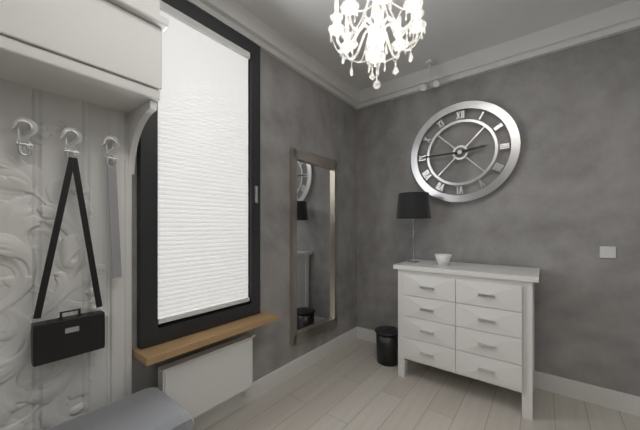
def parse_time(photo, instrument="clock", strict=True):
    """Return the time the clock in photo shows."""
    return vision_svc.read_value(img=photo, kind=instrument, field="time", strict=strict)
2:45
